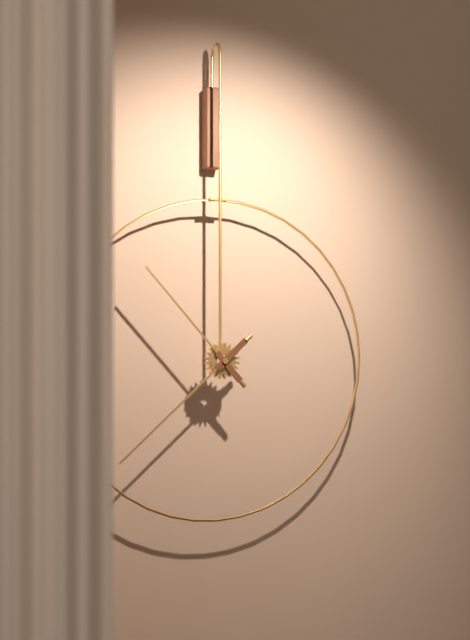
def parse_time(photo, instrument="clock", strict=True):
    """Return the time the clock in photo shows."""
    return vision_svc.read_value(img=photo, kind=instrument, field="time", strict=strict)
10:38
